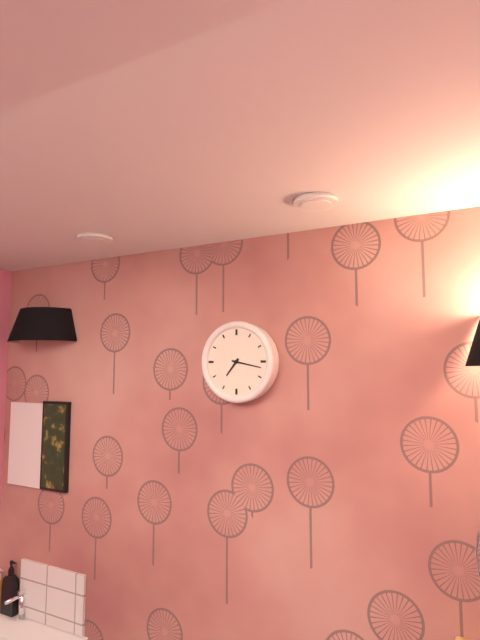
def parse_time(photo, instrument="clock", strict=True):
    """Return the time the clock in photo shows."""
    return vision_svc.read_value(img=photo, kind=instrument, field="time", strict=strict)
7:17
